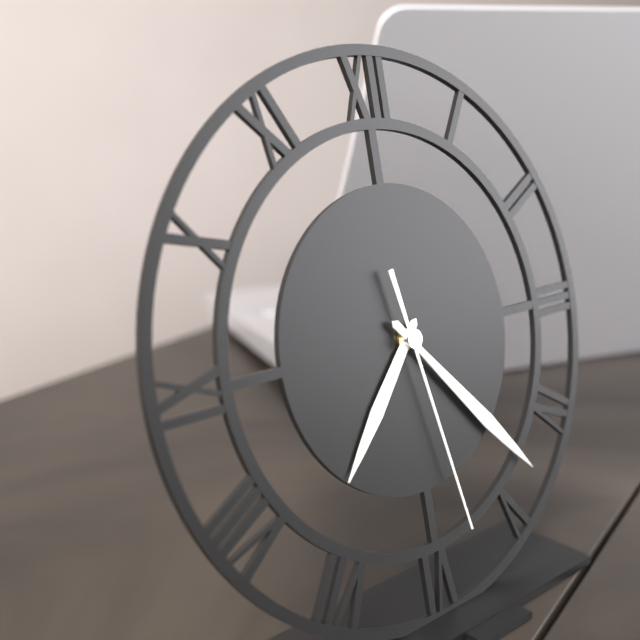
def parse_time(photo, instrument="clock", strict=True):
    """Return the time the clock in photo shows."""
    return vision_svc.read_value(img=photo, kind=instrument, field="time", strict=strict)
7:23:28
